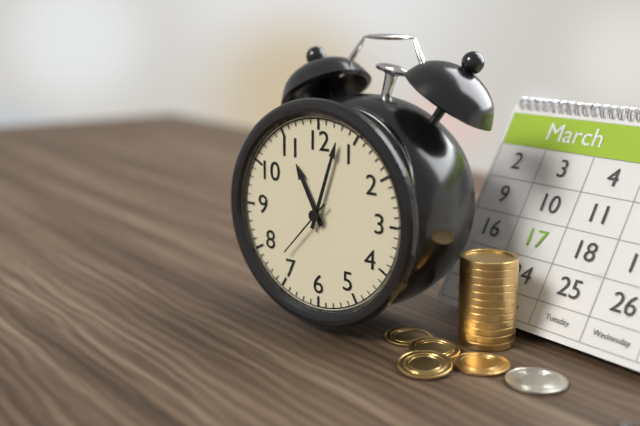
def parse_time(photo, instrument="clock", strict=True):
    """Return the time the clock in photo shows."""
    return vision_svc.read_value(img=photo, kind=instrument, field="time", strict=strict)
11:03:37
